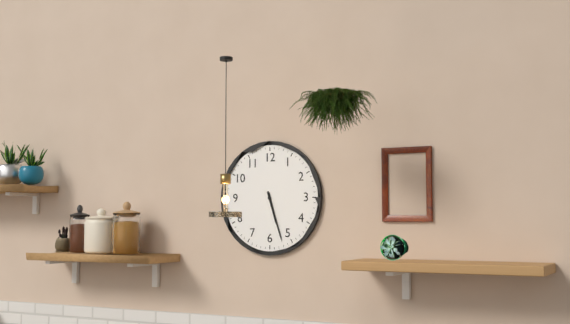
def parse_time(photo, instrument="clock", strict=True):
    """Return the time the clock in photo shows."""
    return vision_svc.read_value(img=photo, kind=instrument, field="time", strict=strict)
5:27
